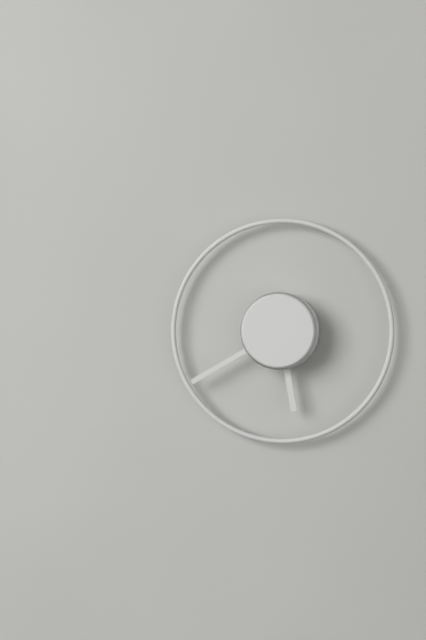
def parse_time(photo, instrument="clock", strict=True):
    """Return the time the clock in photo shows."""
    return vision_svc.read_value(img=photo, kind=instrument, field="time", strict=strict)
5:40
